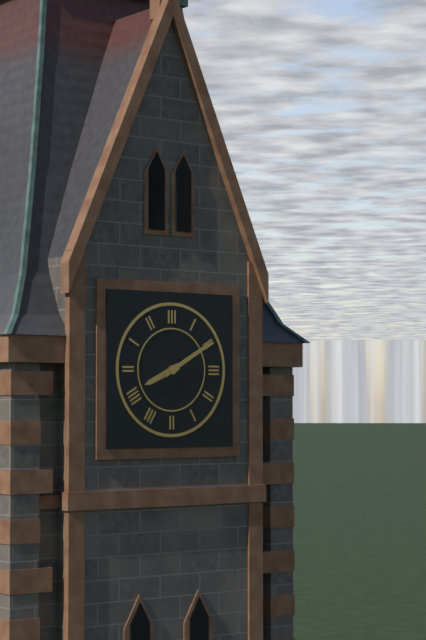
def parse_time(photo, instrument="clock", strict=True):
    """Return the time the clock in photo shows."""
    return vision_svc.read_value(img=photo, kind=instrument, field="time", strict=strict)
8:10
